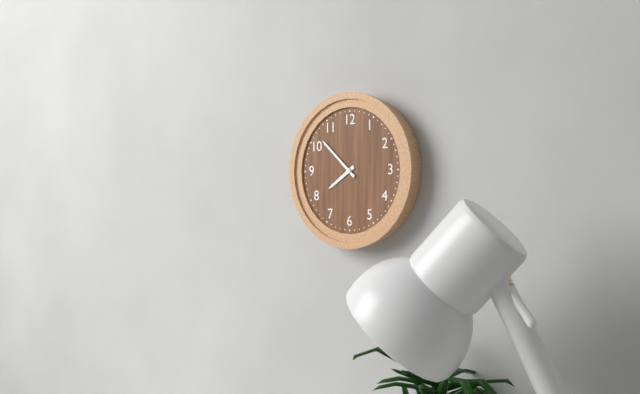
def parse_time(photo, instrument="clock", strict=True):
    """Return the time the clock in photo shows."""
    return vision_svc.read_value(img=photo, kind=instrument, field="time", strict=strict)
7:52
